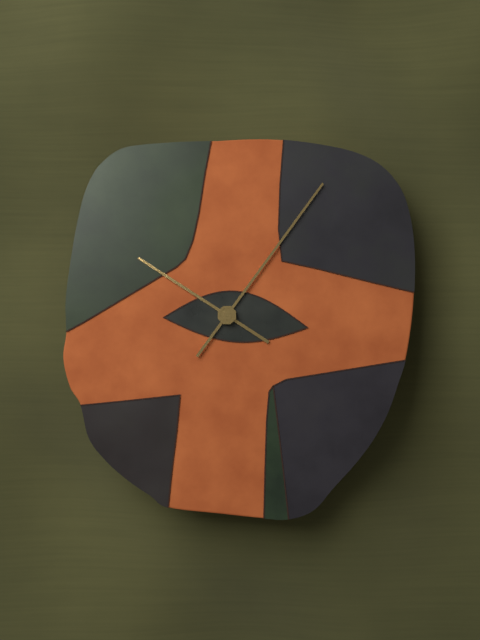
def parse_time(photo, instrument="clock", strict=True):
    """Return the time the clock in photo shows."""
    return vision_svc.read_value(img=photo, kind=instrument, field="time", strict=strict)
10:06
